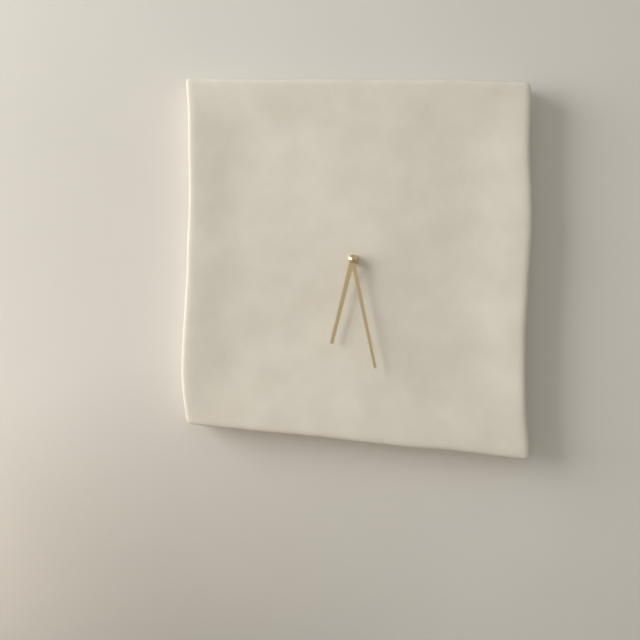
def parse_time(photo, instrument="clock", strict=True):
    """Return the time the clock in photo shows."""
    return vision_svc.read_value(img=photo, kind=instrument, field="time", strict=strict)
6:28
